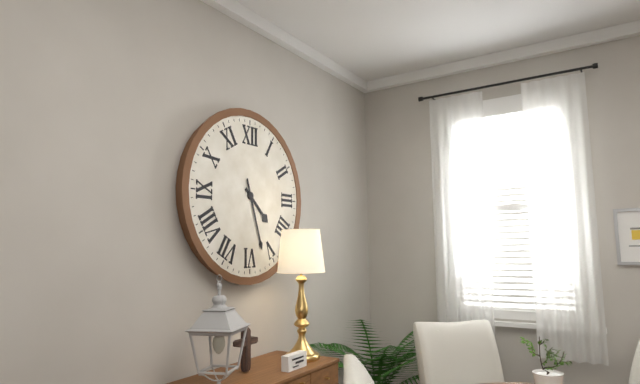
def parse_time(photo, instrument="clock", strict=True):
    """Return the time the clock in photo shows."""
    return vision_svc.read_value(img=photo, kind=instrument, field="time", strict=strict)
4:27
